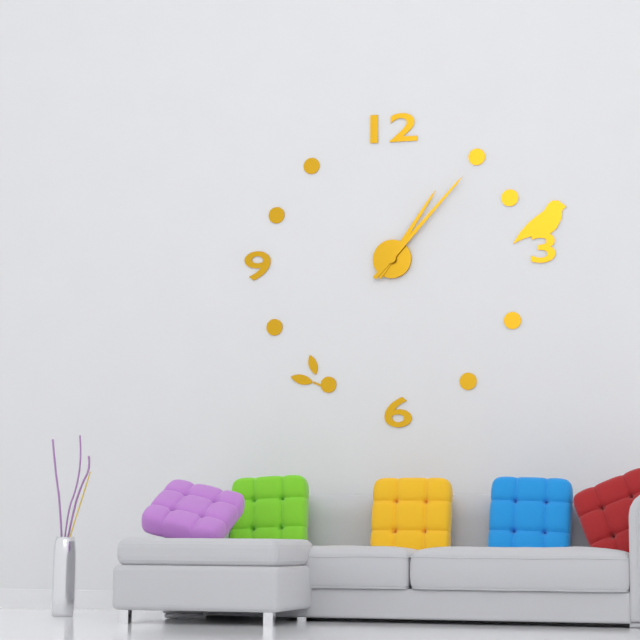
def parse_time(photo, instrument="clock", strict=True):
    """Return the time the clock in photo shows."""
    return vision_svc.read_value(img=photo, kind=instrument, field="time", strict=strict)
1:07
